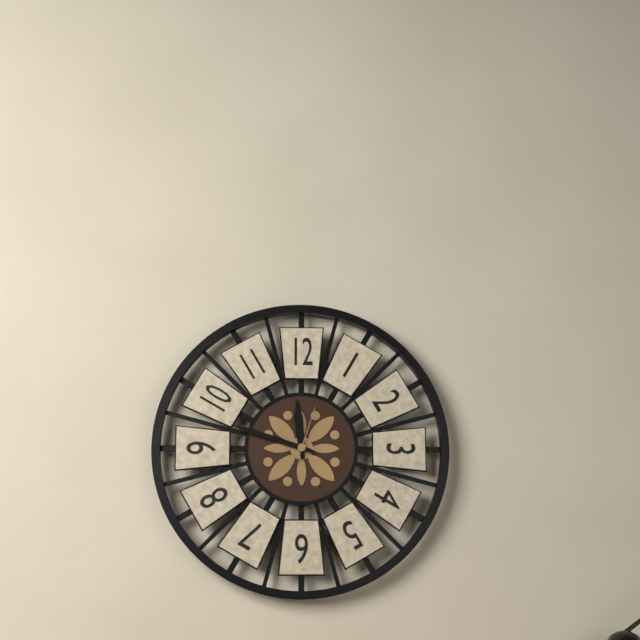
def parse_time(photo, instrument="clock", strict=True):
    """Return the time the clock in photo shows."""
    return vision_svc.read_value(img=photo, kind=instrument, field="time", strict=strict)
11:48:03
